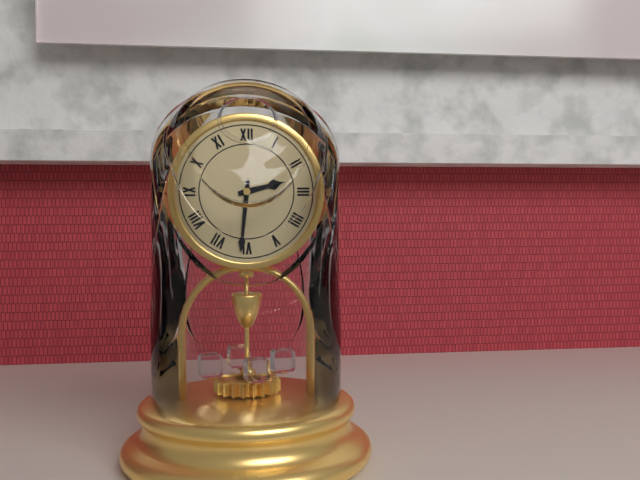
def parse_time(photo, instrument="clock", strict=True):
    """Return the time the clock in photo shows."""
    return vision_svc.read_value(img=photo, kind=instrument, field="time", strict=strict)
2:31
